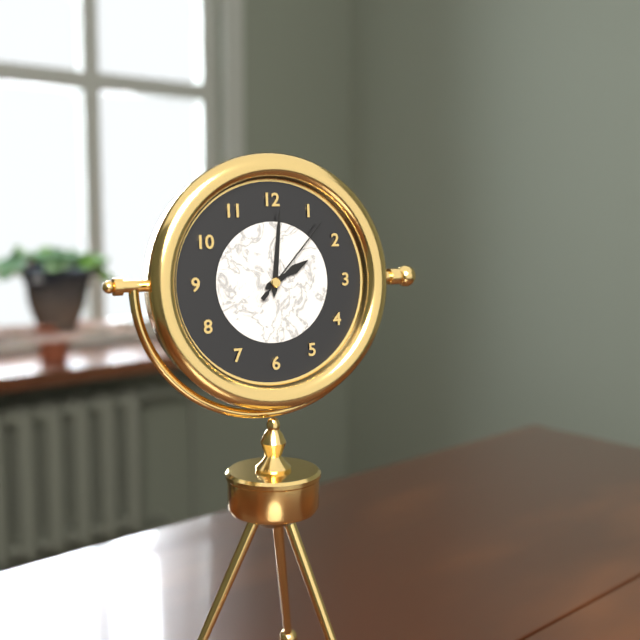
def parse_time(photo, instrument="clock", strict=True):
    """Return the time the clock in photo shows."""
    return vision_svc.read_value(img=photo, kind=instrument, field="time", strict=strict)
2:01:07
